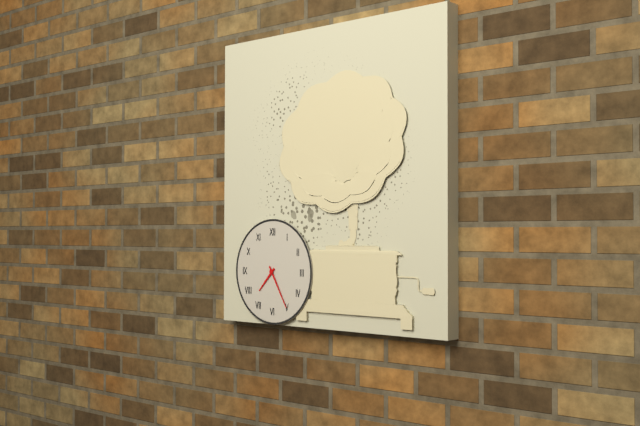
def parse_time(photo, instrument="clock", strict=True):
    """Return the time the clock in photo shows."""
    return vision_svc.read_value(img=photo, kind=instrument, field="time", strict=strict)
7:25
